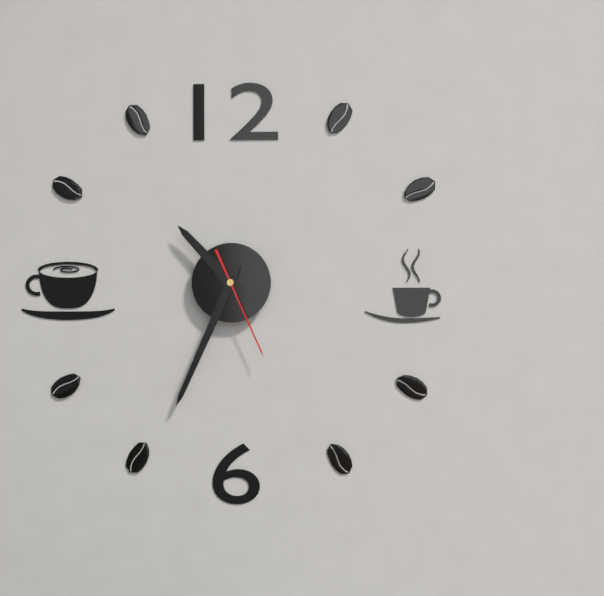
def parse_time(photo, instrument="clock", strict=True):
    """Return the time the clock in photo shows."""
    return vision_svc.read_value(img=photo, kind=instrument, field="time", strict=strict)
10:34:26
